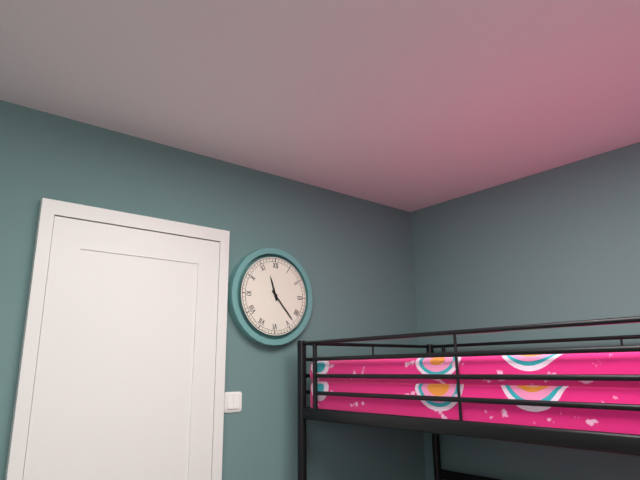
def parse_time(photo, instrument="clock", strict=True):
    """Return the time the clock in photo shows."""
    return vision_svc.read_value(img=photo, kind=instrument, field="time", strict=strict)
11:23
